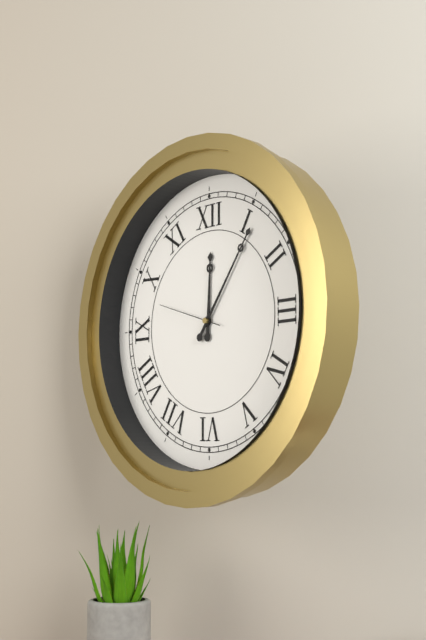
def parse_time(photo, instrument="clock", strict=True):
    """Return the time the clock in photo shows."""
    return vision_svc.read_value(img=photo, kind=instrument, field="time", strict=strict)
12:06:48
